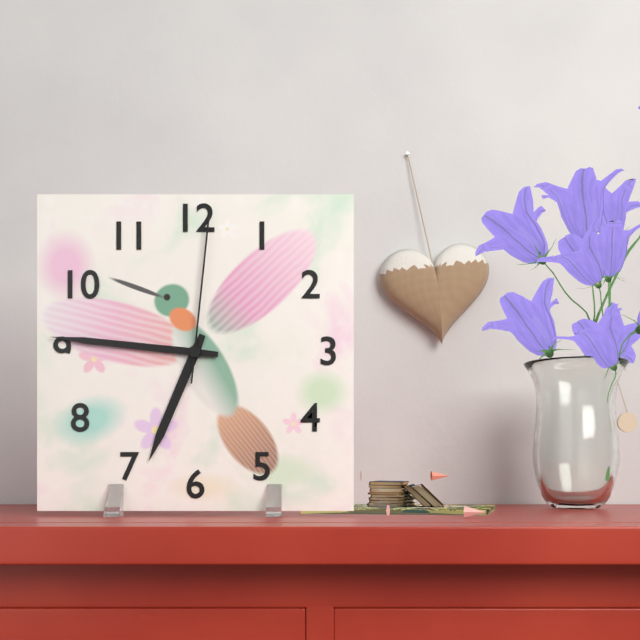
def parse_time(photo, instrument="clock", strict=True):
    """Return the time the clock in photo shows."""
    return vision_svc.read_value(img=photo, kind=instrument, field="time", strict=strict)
6:46:01
